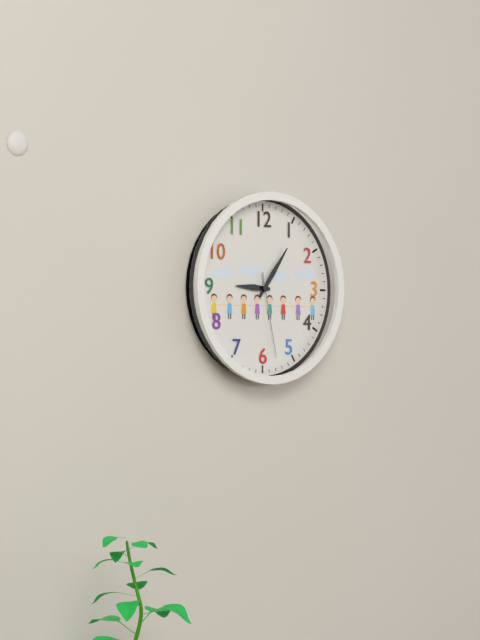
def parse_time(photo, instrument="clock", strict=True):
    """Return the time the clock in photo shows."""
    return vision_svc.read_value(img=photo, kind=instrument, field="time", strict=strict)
9:06:28
